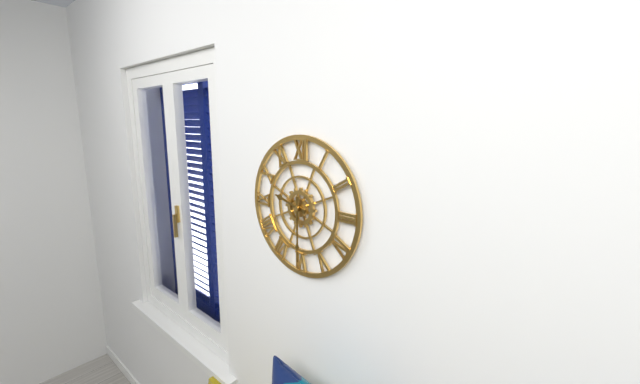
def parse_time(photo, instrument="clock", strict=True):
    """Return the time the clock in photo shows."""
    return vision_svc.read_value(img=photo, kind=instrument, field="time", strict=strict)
9:30
